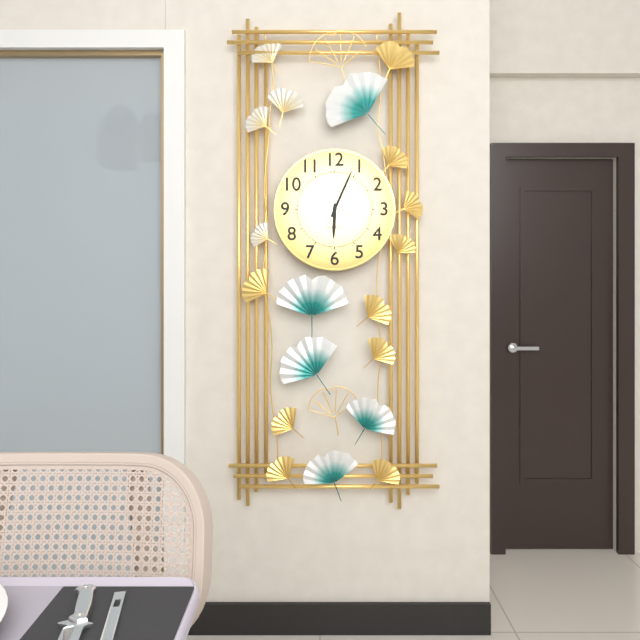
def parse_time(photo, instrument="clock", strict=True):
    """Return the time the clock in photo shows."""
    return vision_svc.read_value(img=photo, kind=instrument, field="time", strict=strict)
6:04
